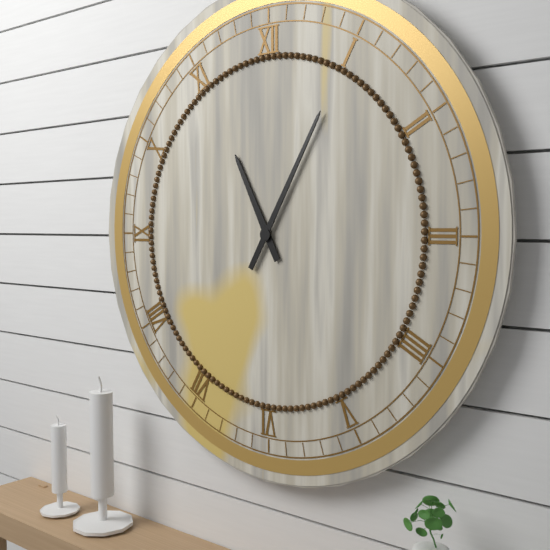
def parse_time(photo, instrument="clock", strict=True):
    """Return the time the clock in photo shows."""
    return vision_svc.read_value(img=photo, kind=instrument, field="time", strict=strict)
11:05
